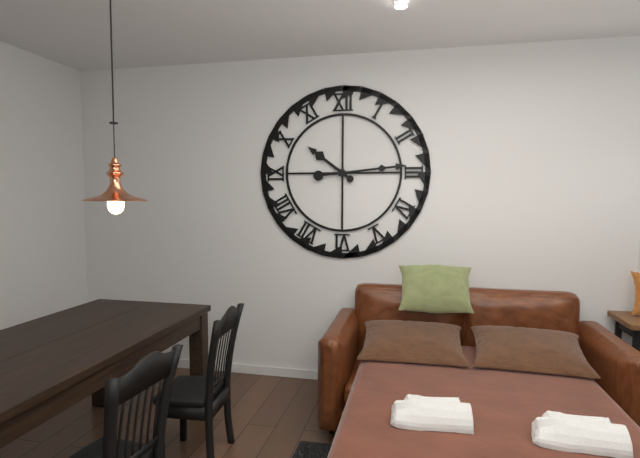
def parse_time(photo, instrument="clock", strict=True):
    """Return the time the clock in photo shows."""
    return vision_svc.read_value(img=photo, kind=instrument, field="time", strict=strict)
10:14
